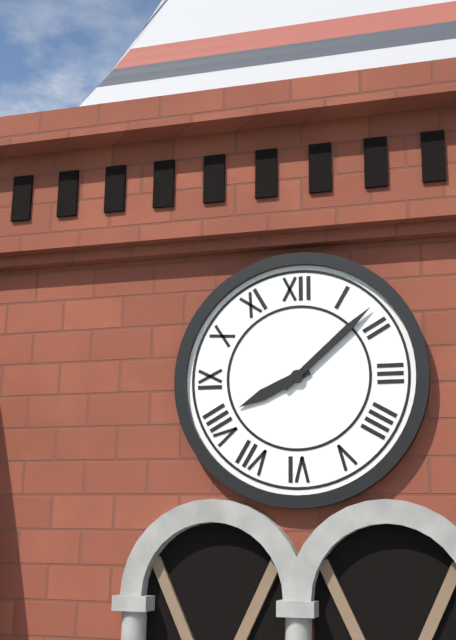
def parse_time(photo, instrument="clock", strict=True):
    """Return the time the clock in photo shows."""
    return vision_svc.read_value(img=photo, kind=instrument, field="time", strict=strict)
8:08
